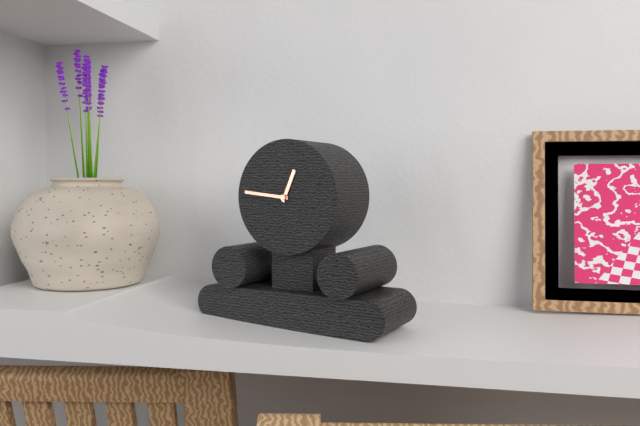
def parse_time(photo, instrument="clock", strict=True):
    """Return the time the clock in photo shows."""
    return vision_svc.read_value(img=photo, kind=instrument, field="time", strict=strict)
12:46
